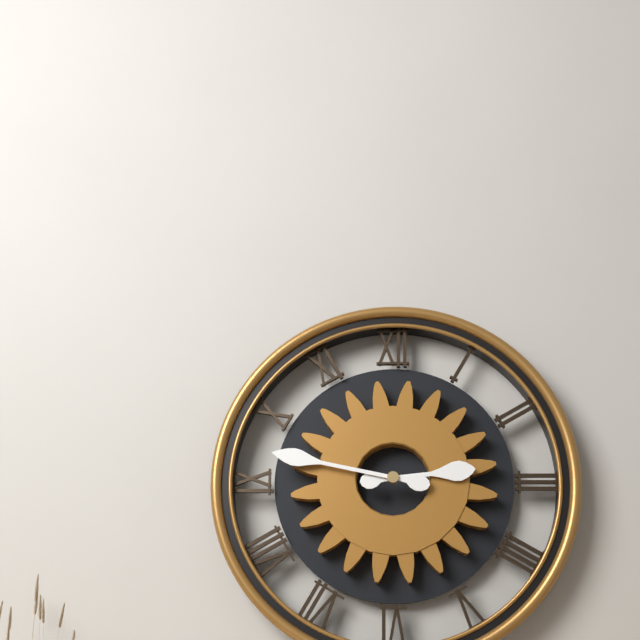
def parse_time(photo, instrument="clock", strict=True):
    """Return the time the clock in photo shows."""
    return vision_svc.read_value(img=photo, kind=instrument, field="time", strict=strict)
2:47
